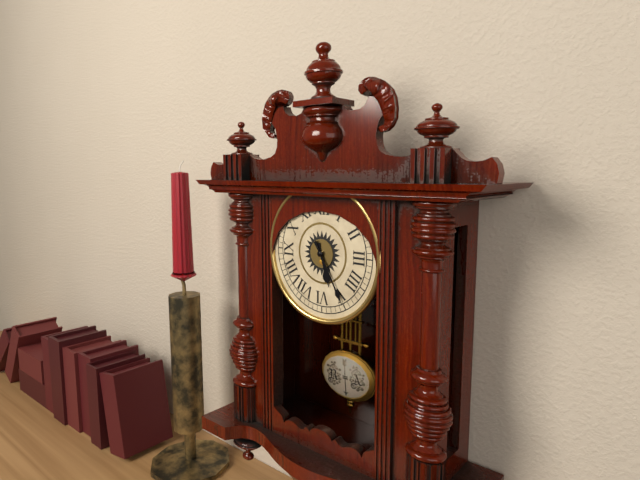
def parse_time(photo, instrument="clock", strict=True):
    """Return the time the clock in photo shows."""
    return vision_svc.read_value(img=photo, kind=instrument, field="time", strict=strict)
5:25
